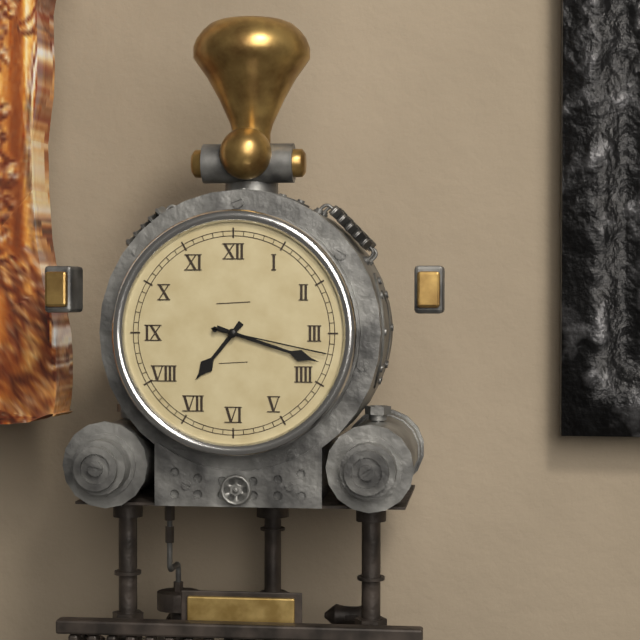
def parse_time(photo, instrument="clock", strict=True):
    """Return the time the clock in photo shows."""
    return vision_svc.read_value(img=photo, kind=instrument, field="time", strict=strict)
7:18:17
